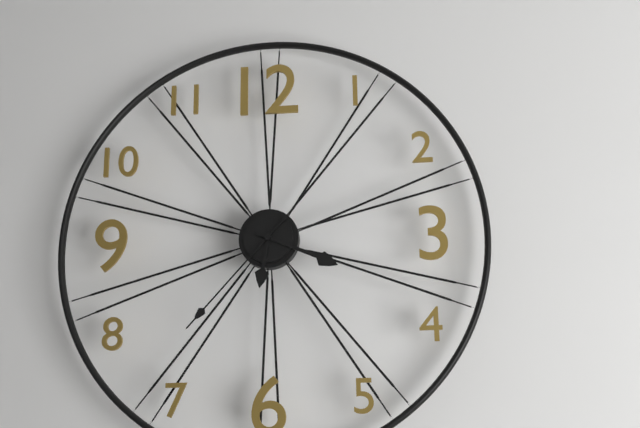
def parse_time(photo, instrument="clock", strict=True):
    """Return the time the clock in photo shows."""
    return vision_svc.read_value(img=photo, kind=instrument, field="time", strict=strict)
6:19:37
